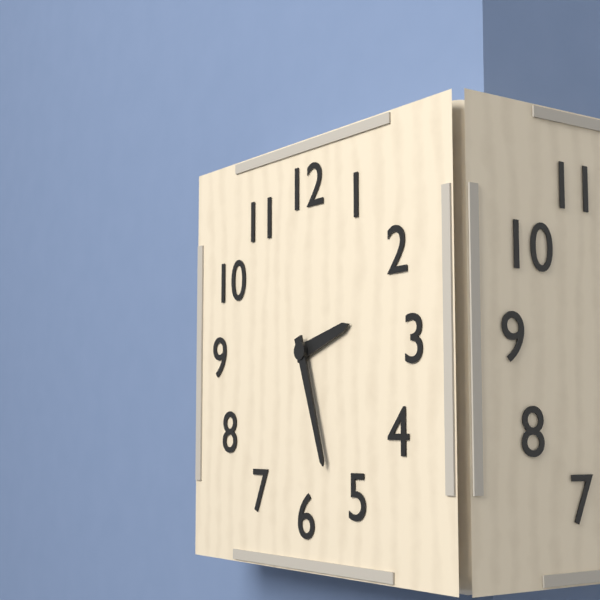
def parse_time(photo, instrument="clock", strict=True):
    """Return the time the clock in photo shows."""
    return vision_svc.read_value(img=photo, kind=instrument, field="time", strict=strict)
2:27
